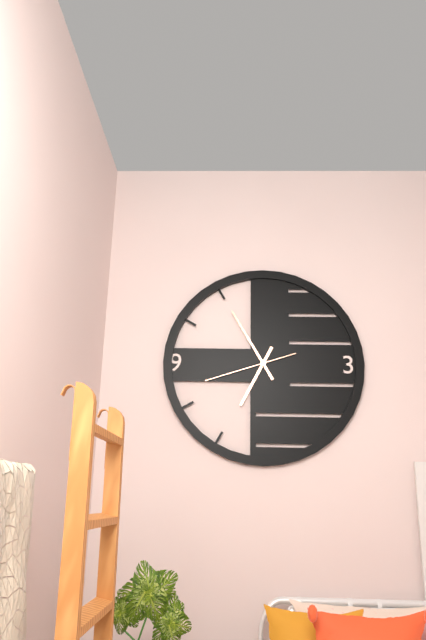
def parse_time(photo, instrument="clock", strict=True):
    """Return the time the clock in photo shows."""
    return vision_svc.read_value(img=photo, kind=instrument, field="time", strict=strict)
6:55:42
